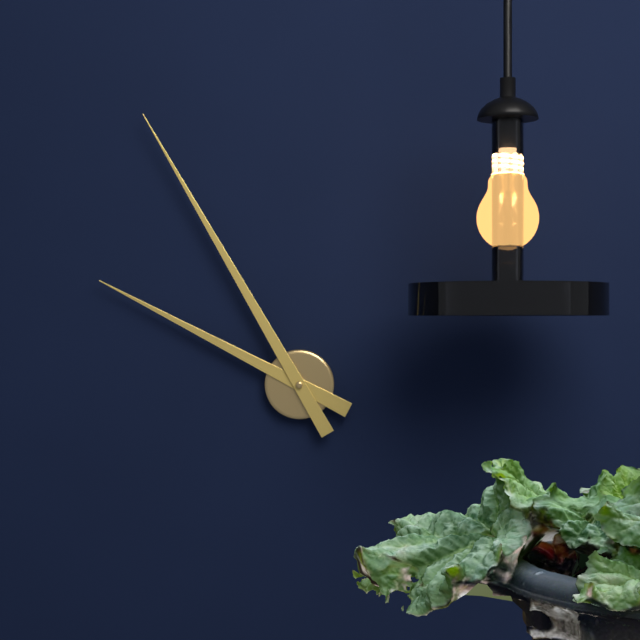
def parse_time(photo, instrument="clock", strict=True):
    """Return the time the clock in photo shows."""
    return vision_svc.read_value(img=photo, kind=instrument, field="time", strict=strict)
9:55
